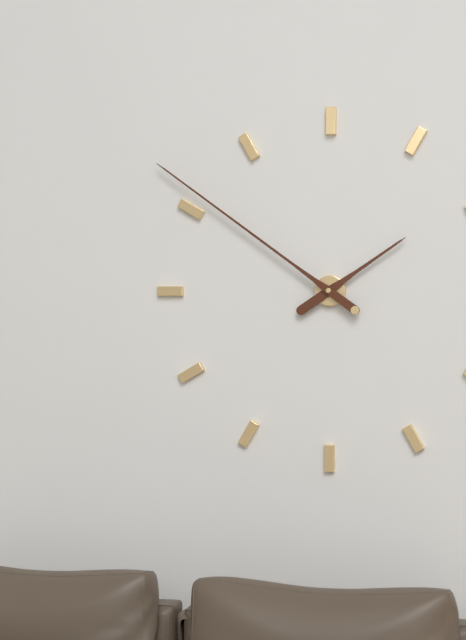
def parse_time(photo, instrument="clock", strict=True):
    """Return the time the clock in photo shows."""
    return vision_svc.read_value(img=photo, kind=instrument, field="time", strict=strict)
1:51
